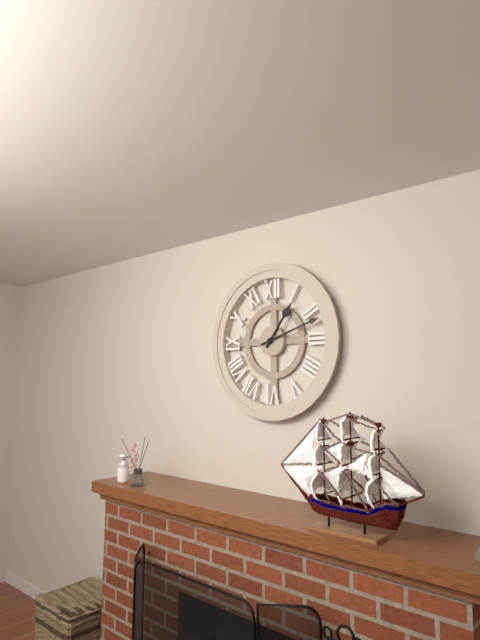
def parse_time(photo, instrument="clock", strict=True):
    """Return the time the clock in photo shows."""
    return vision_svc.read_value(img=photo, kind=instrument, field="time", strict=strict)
1:12
